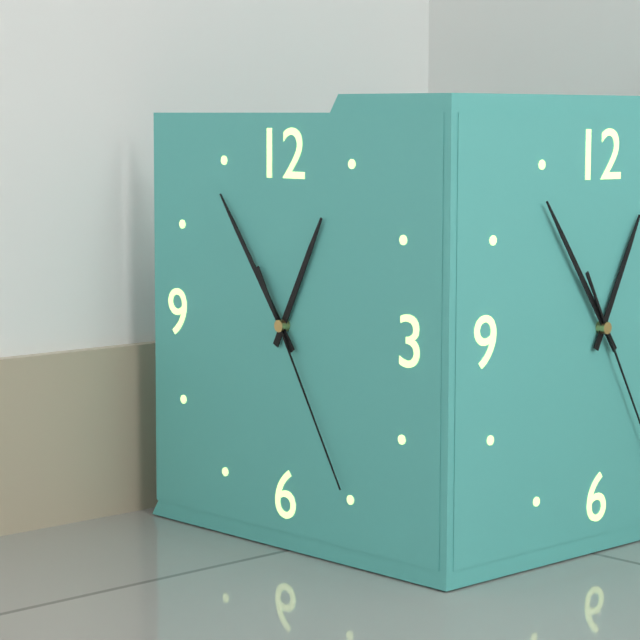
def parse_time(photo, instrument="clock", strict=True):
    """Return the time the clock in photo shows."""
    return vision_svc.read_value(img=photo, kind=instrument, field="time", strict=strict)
12:54:25
